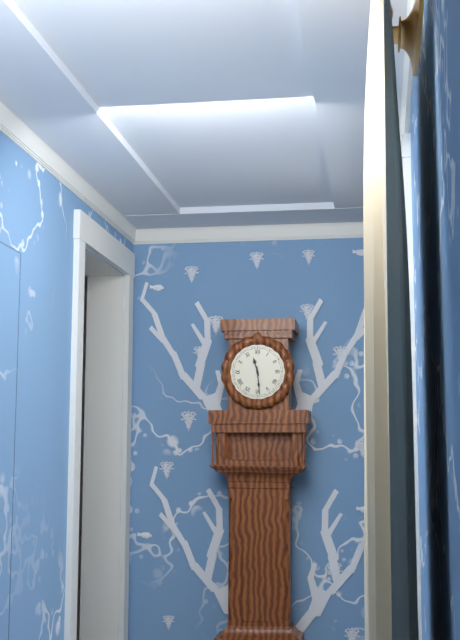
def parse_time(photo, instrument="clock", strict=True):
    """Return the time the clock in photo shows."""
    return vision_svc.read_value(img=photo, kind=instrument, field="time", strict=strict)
11:29
